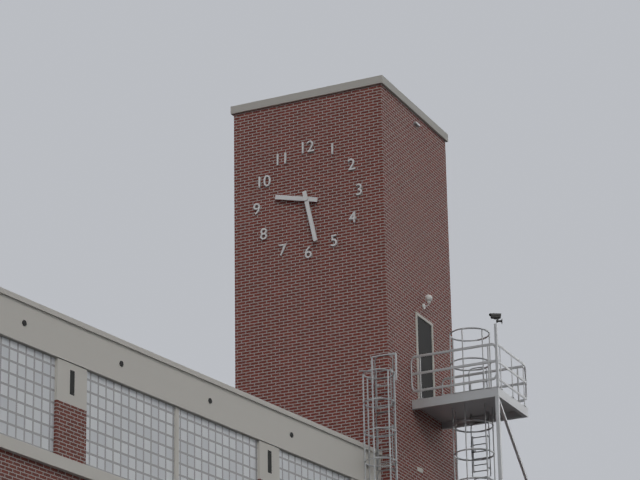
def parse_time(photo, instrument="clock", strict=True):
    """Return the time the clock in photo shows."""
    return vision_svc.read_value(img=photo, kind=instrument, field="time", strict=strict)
9:28
